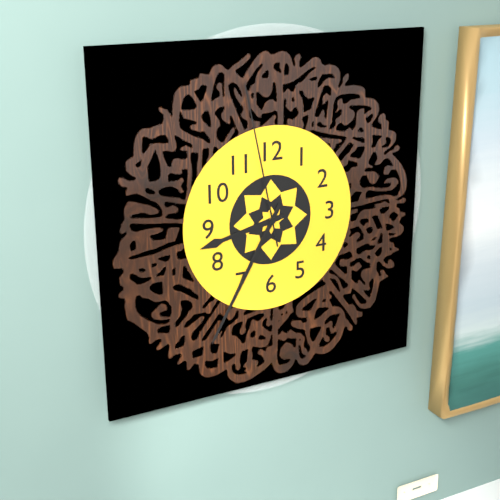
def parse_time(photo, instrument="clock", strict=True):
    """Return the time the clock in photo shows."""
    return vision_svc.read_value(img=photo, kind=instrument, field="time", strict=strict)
8:35:58
